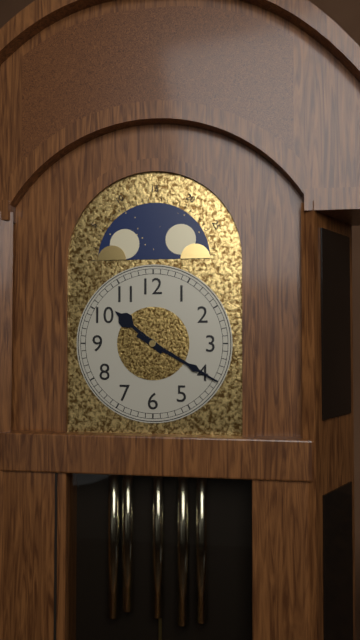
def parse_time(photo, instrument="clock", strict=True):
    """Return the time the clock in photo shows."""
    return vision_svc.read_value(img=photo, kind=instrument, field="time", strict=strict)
10:20
